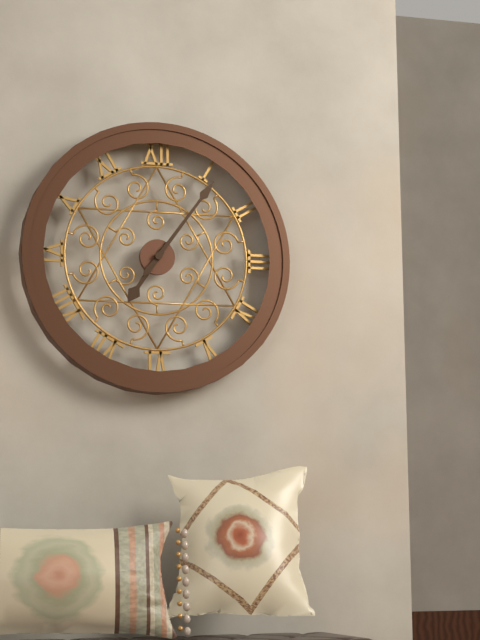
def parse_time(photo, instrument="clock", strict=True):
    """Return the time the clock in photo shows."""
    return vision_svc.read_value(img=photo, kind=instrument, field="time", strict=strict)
7:06
